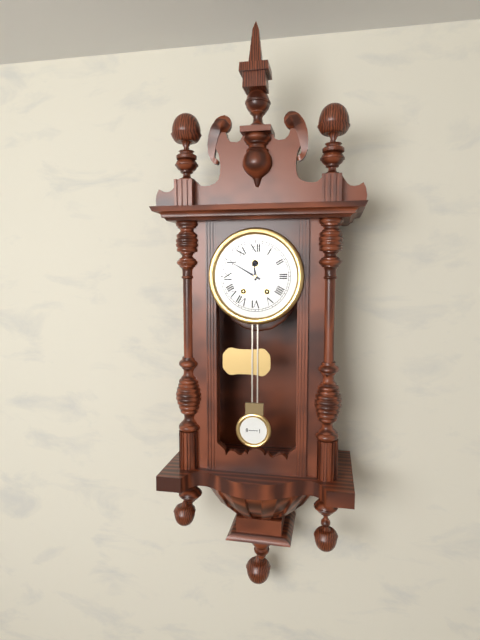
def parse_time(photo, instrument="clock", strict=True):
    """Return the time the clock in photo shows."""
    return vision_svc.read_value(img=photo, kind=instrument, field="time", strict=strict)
11:50
